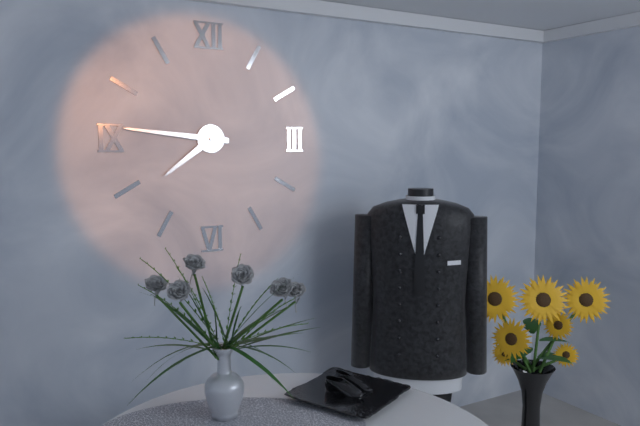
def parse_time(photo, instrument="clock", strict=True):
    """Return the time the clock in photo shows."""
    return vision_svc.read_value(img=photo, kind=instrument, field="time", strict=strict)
7:46
